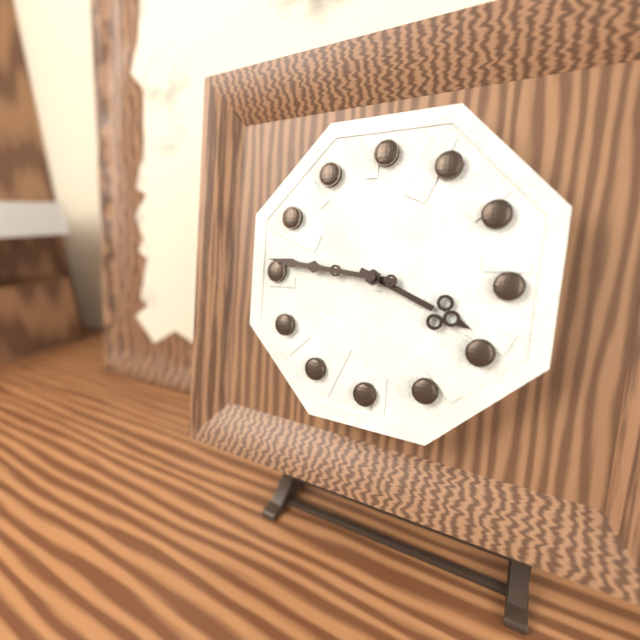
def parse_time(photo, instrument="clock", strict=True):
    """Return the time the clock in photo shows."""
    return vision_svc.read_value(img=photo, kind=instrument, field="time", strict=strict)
3:46
